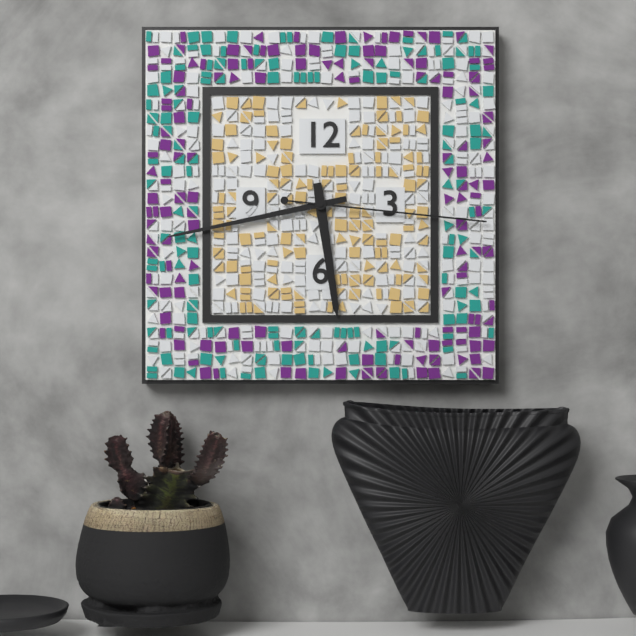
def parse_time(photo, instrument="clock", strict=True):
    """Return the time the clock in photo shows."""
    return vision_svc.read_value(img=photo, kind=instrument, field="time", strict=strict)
5:43:16
